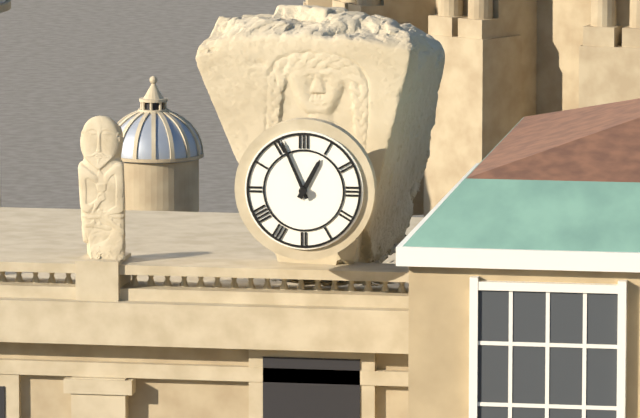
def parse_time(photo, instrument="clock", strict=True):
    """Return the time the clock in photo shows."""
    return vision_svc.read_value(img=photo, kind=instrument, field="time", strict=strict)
12:56
